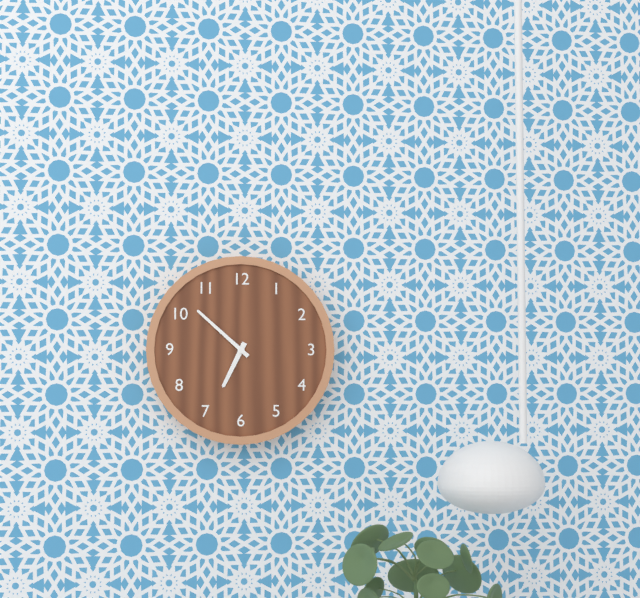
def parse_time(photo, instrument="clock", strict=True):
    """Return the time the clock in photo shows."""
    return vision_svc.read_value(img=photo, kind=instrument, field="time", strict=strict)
6:52
